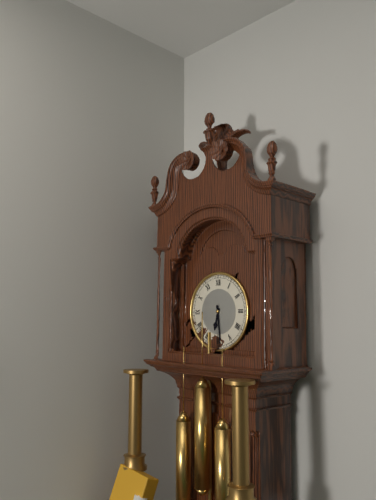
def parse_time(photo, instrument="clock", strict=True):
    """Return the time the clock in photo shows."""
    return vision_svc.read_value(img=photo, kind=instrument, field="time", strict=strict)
6:29
